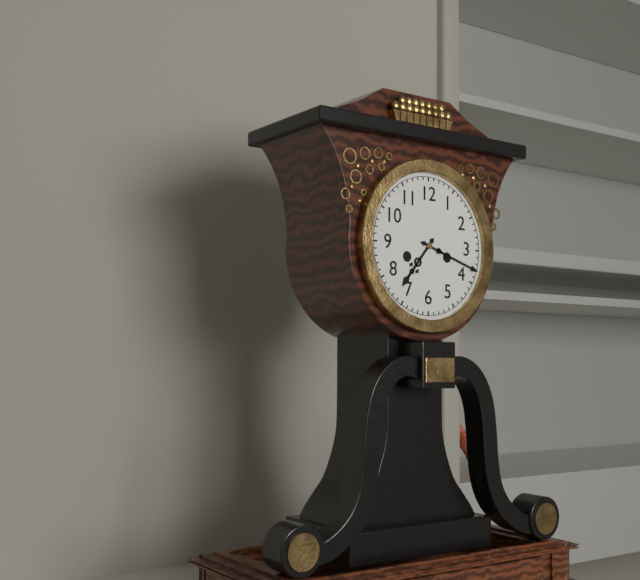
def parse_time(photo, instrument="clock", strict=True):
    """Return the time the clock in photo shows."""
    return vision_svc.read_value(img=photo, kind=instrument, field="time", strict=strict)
7:18
